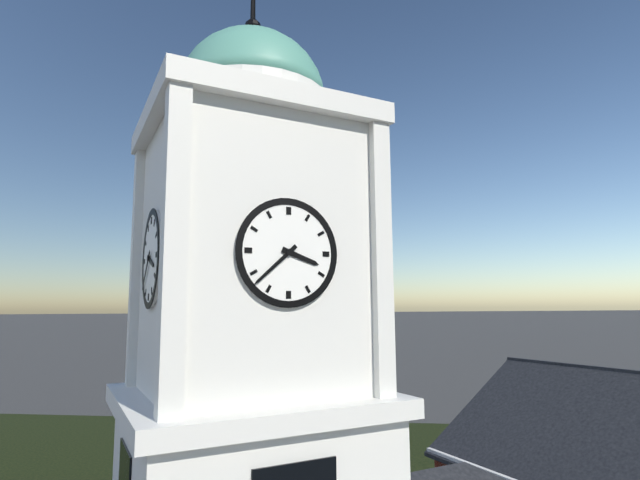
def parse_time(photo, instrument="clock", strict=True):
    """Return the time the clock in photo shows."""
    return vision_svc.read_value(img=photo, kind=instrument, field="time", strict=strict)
3:38
